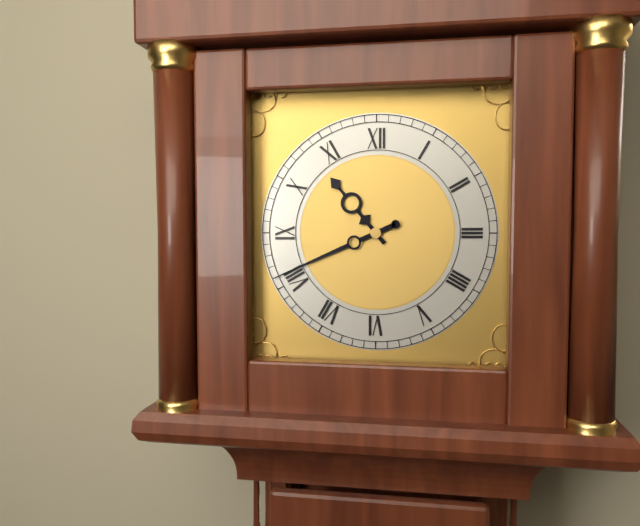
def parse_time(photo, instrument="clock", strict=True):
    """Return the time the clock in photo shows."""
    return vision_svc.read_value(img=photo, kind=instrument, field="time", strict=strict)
10:41
